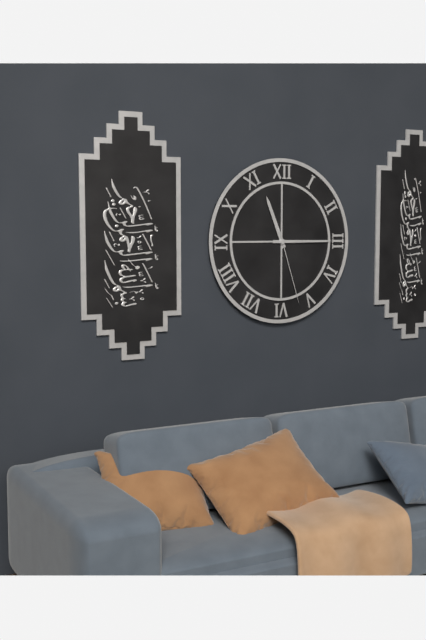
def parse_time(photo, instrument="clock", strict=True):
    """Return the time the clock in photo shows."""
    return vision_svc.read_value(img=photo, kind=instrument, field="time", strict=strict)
11:15:27
